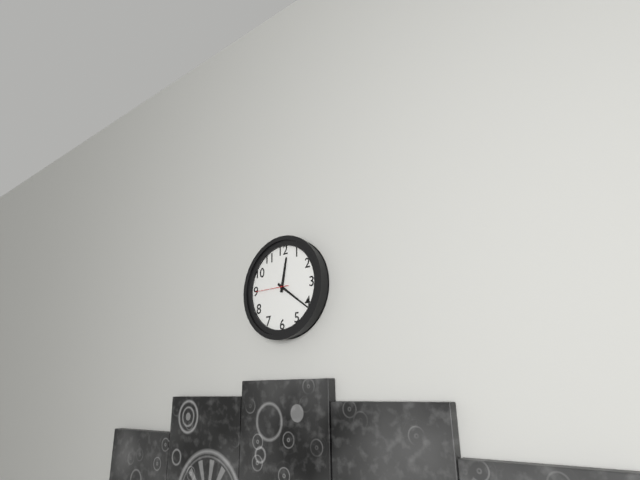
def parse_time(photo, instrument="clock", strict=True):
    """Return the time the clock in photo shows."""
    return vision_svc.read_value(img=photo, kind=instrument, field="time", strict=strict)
12:21
